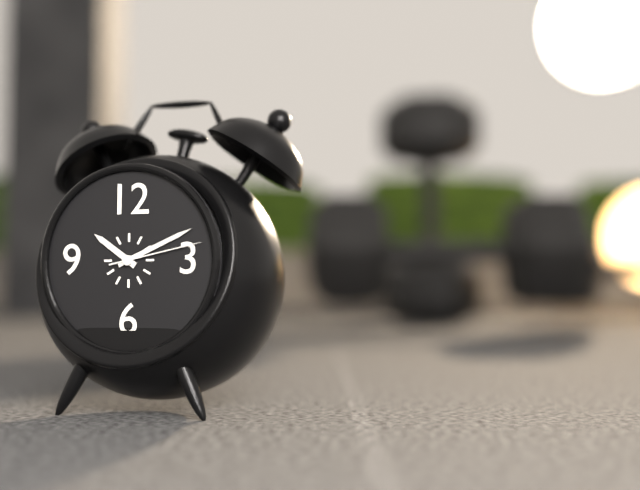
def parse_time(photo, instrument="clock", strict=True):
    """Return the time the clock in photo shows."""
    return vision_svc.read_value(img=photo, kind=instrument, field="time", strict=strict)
10:11:13
